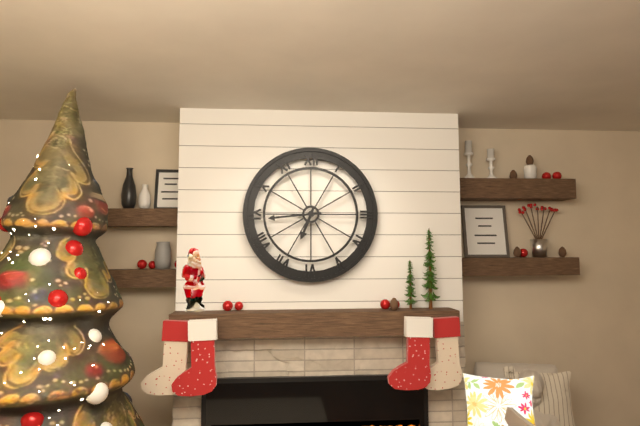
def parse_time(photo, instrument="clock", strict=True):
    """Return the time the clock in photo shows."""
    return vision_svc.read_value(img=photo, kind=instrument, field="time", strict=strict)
6:44
